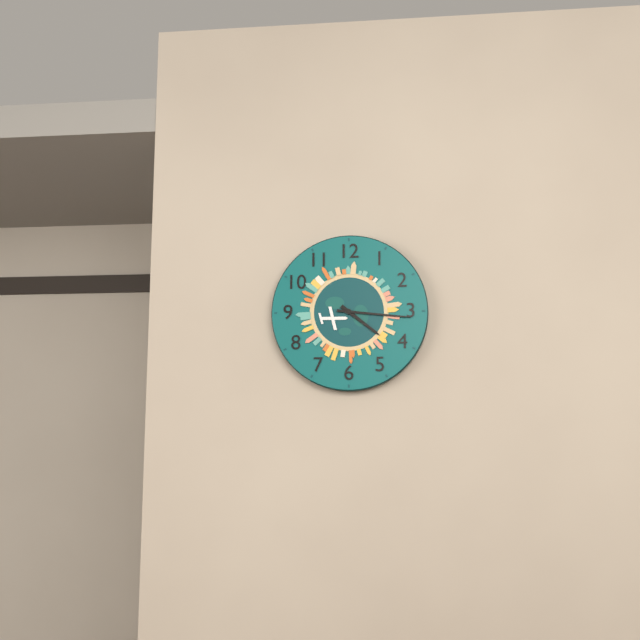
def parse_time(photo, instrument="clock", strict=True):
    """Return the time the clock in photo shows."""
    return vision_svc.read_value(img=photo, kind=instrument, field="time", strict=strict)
4:16
